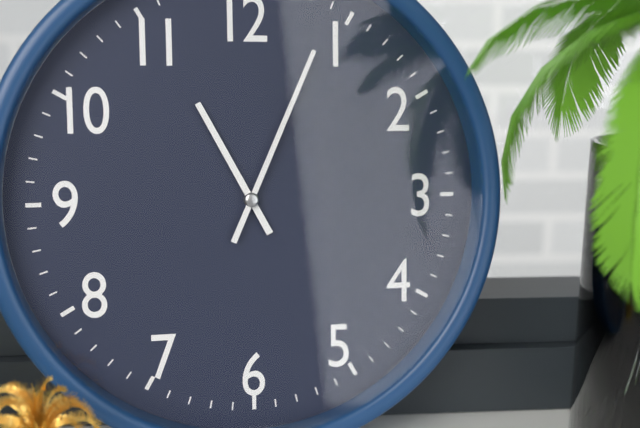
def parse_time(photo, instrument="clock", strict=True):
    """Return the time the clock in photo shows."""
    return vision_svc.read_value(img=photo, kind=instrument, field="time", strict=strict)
11:04
